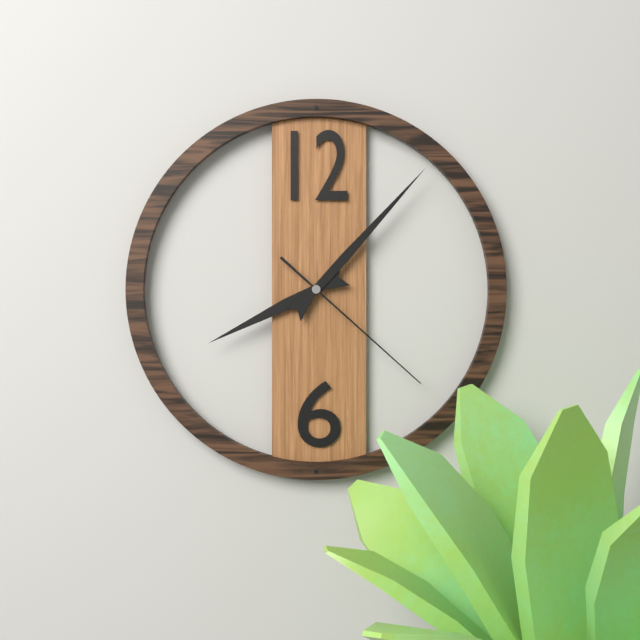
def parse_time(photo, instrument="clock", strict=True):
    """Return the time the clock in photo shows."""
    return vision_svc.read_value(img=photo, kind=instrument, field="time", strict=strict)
8:07:22
